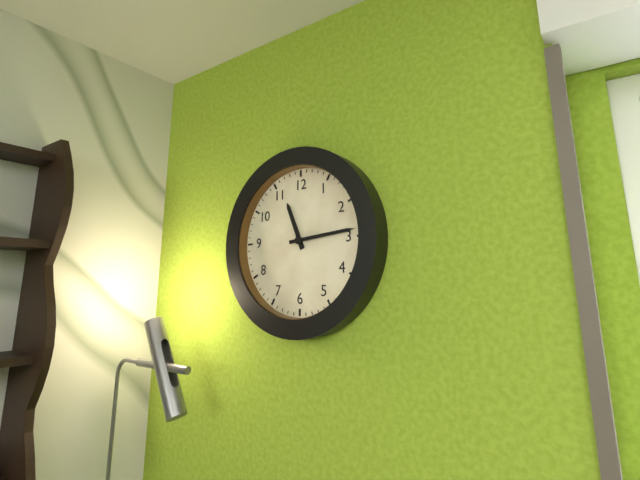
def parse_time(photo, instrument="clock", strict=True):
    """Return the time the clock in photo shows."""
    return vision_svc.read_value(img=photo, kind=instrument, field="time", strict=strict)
11:14
